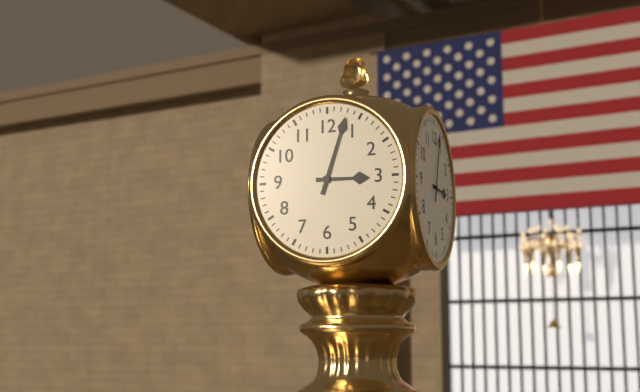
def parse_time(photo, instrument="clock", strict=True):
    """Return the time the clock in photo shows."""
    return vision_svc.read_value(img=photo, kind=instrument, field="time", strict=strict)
3:03
